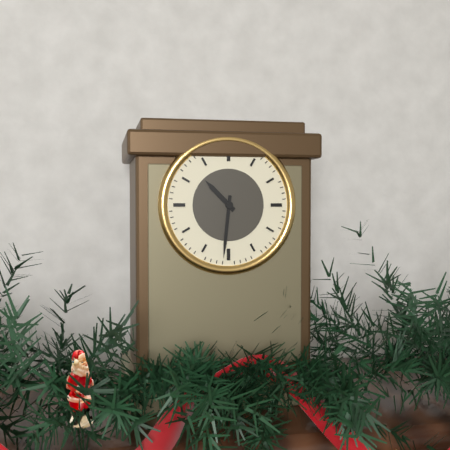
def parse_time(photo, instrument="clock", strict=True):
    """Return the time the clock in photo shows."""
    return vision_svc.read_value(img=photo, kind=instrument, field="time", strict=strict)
10:31
